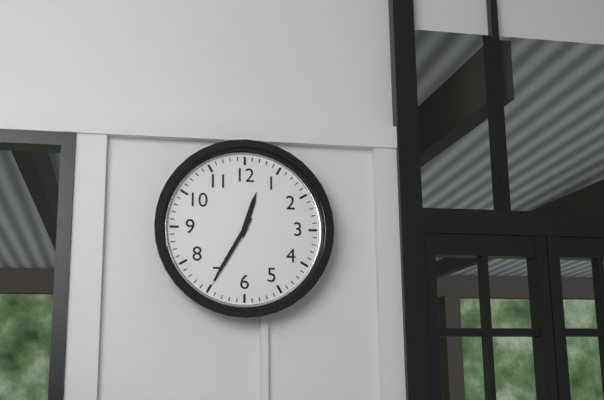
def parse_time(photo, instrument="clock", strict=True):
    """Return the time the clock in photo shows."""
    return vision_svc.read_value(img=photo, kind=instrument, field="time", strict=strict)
12:35
